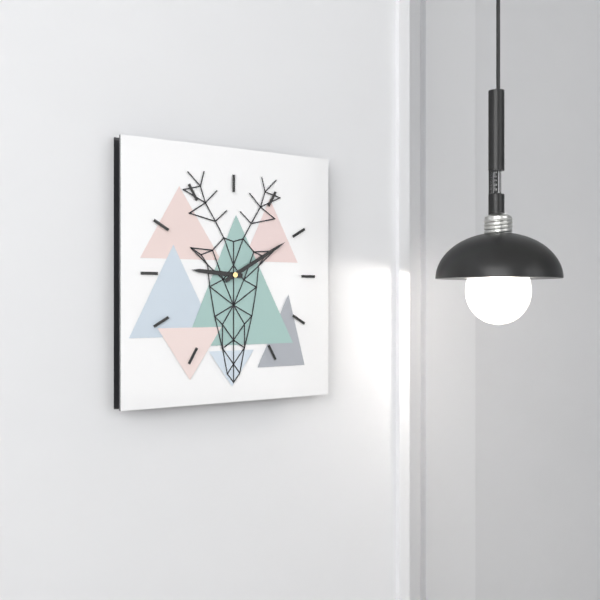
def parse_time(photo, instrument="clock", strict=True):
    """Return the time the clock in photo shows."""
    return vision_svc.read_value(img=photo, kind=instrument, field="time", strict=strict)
9:10
